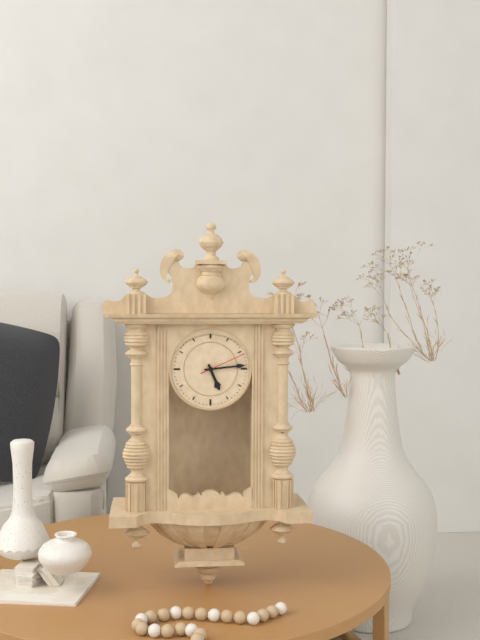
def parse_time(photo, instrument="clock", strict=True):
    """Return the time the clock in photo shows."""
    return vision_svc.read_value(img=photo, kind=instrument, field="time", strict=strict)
5:14
